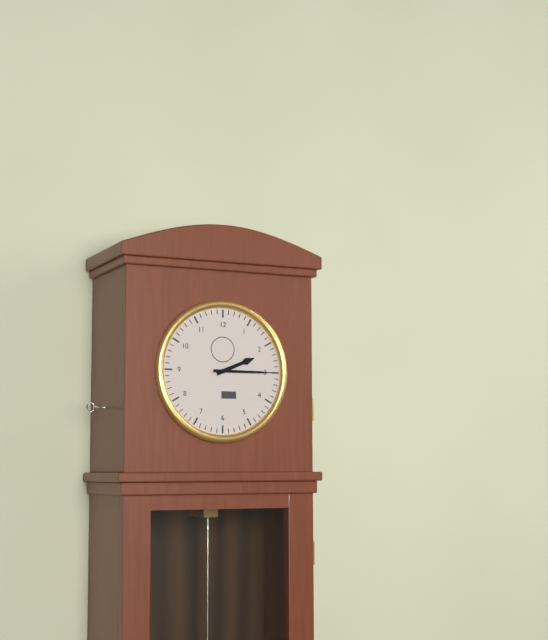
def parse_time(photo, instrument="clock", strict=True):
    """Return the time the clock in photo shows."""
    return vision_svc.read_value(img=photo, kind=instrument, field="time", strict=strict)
2:15
